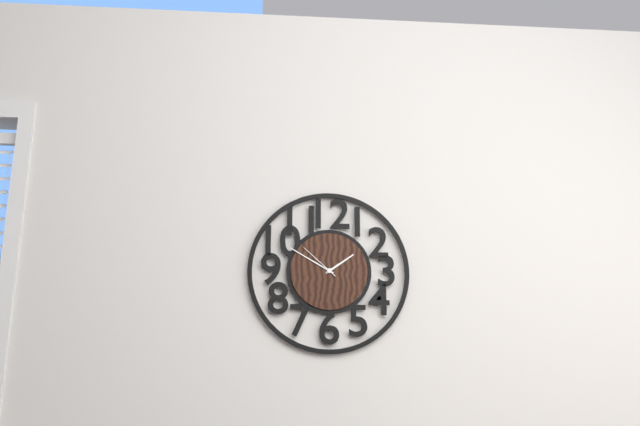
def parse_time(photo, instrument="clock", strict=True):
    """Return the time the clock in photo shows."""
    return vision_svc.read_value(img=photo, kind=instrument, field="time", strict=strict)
1:50
